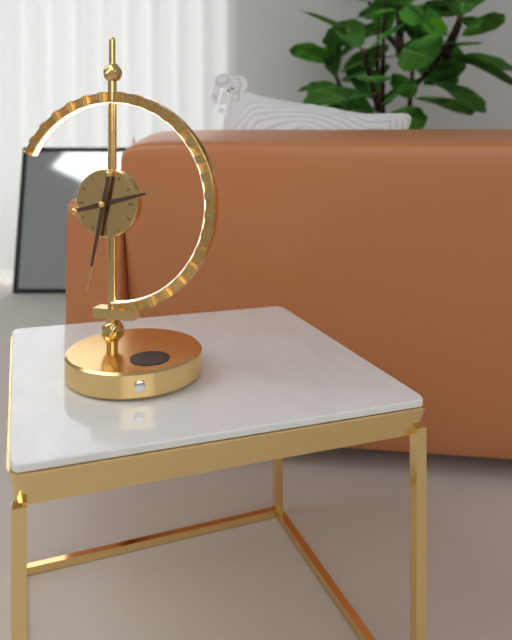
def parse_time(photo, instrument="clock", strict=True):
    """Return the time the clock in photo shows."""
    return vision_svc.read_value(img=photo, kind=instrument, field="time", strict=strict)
2:32
